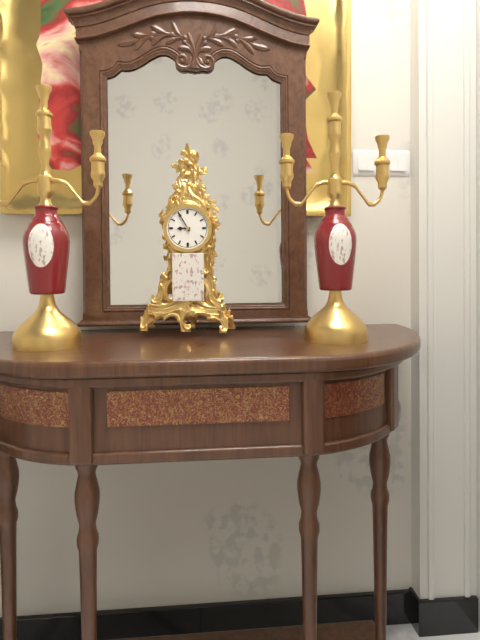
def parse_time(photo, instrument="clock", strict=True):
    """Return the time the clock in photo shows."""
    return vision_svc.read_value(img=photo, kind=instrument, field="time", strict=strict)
8:55
